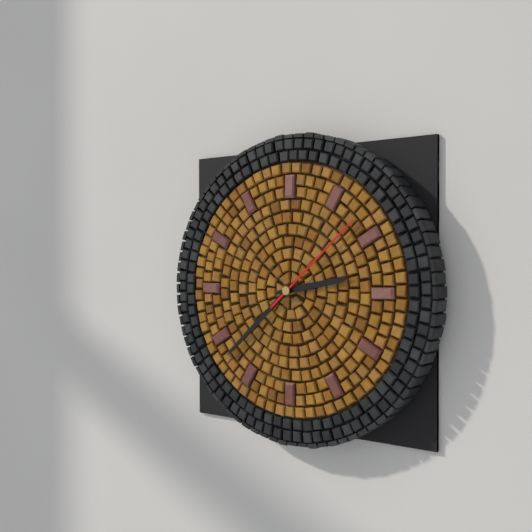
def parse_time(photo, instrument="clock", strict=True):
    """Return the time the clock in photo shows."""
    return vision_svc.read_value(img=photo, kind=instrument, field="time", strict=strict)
2:38:08
